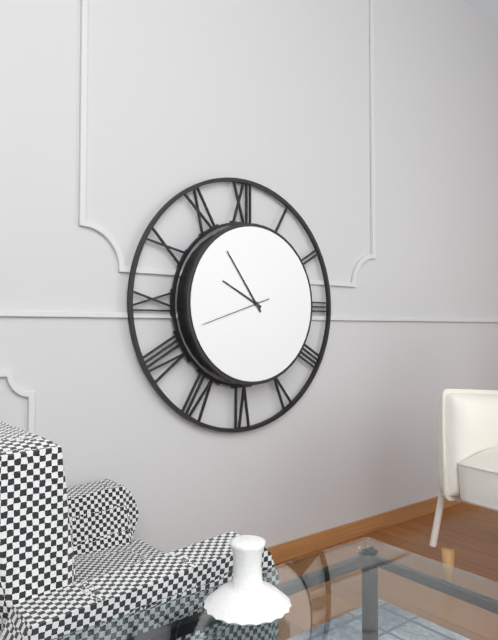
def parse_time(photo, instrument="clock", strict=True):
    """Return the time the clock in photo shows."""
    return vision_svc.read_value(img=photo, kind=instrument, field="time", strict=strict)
9:54:42
